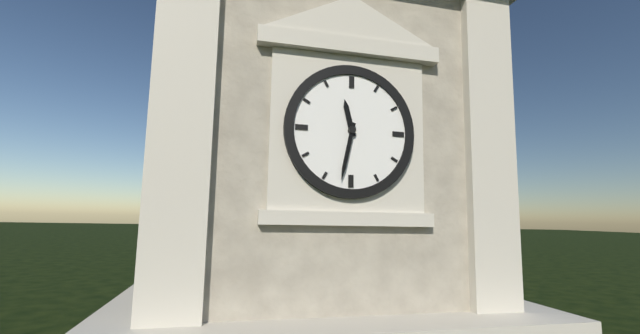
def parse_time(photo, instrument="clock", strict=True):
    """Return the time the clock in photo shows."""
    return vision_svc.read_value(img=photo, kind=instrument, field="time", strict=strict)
11:32
